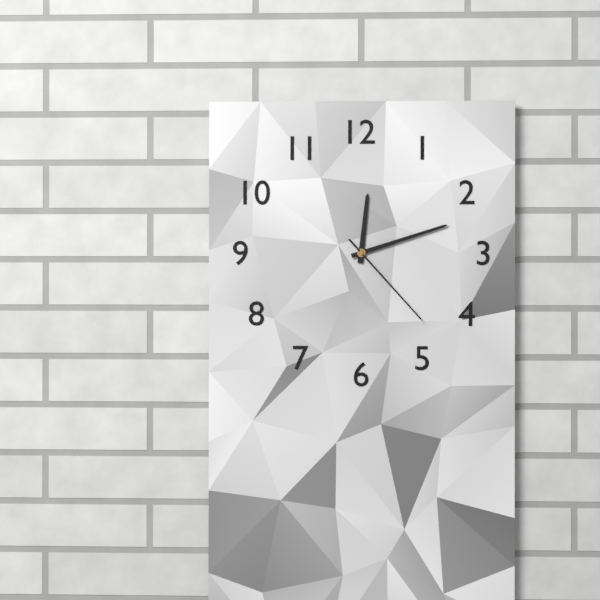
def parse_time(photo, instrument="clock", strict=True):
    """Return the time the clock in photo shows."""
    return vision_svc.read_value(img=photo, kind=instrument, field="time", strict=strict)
12:12:23
